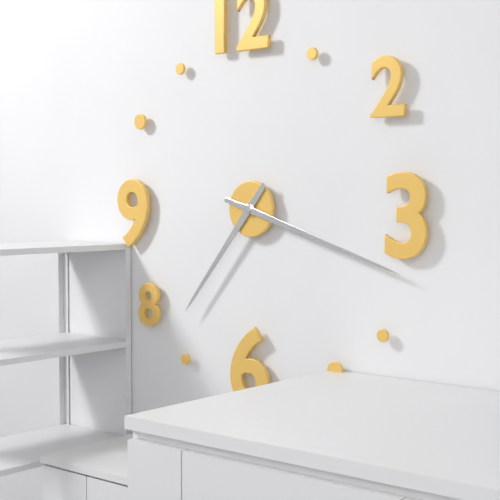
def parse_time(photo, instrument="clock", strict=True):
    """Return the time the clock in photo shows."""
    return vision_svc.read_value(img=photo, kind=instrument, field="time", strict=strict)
7:18
